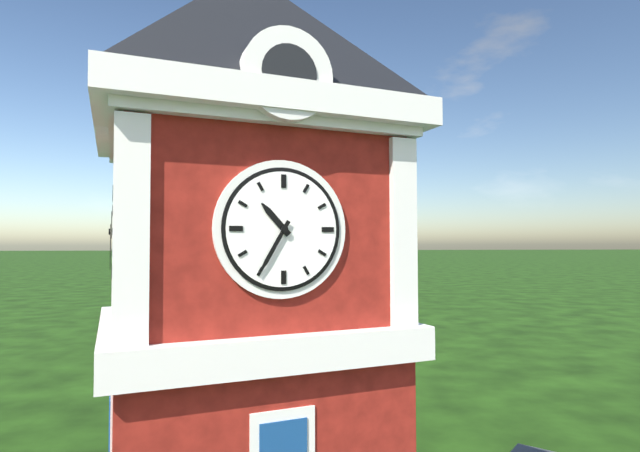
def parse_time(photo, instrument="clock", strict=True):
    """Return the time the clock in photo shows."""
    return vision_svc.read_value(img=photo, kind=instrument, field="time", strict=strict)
10:35
